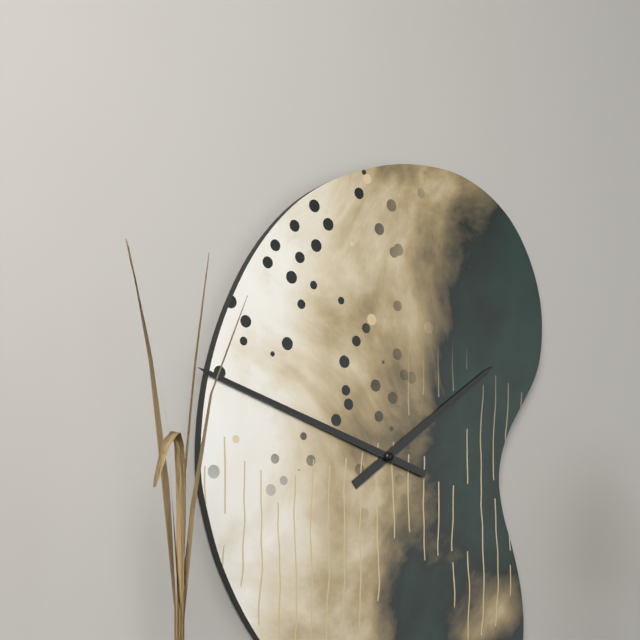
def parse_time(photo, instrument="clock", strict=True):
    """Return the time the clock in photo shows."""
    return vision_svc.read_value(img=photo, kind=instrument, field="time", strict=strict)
1:48
